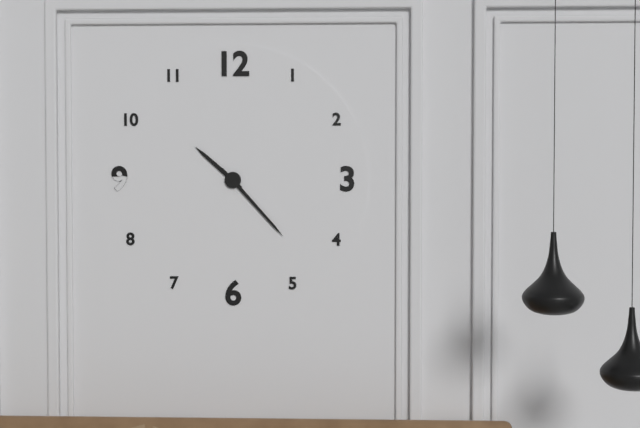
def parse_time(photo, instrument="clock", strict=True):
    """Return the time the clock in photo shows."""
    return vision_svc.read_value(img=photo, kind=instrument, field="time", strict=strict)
10:23
